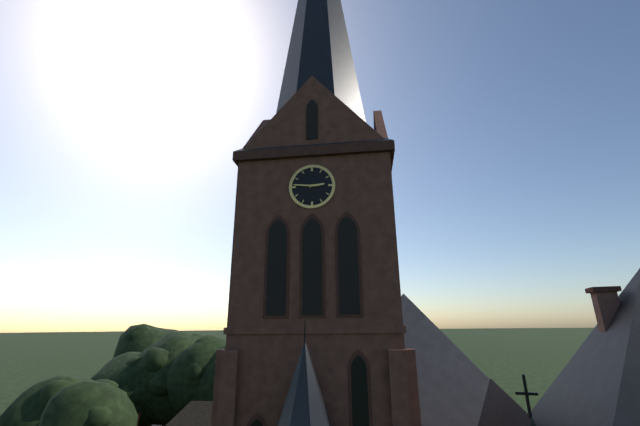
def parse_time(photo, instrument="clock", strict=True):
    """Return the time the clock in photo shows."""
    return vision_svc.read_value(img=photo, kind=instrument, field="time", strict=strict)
2:46
